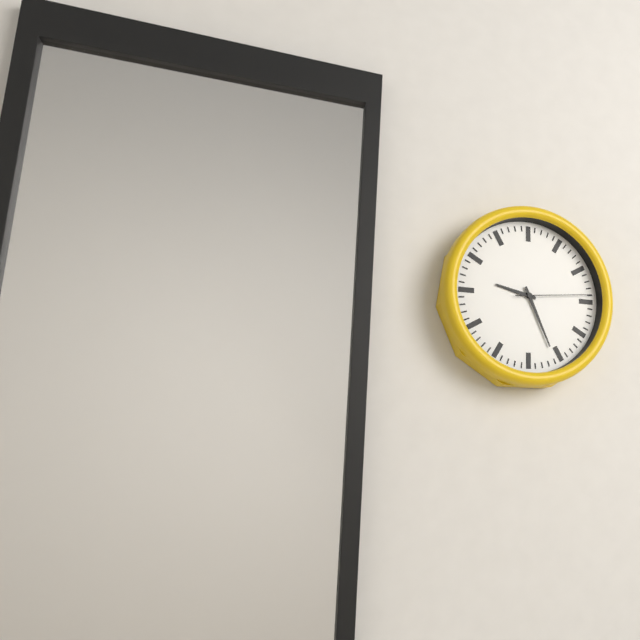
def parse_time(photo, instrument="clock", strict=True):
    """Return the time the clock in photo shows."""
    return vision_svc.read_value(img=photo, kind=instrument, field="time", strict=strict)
9:26:14
